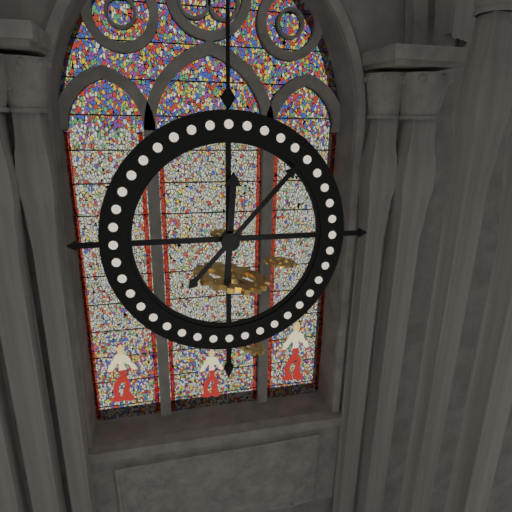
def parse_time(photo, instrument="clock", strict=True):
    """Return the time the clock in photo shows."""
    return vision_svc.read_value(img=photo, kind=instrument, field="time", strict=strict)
12:07
